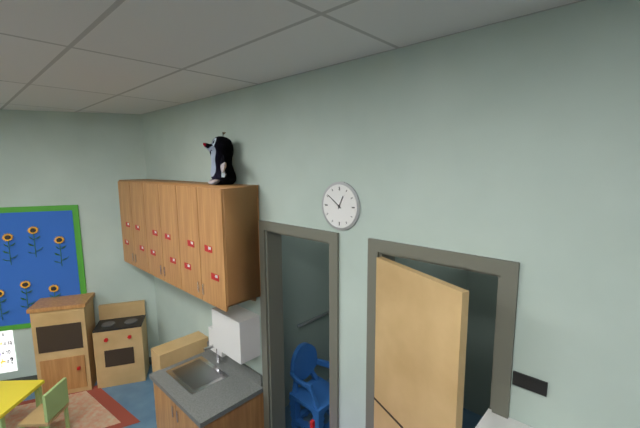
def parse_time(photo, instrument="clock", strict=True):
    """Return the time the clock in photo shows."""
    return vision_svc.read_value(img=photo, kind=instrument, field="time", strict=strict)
12:51
